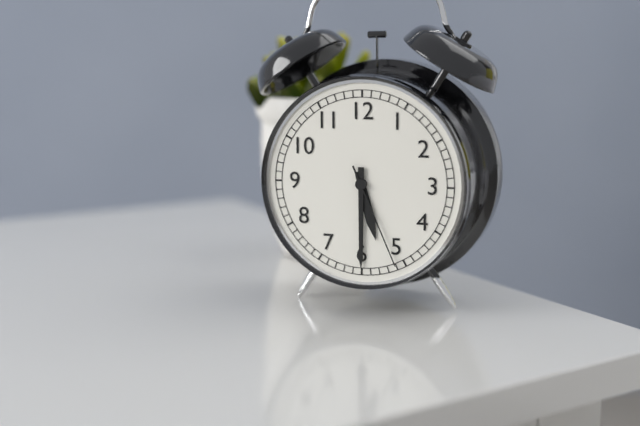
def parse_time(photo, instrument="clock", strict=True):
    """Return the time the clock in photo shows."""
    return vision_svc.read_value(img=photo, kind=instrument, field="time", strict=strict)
5:30:26
